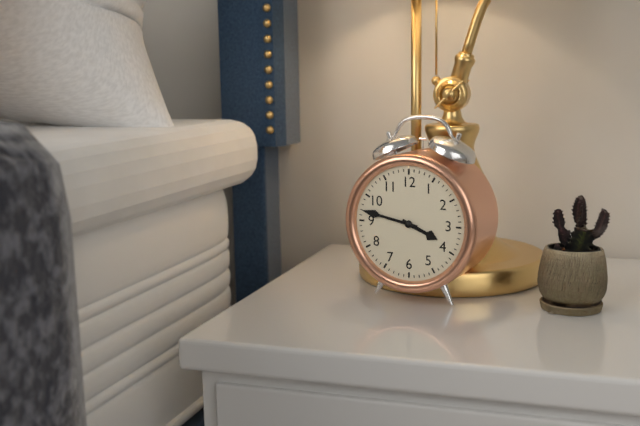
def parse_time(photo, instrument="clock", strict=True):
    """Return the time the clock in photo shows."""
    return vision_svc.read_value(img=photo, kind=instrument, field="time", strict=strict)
3:47
